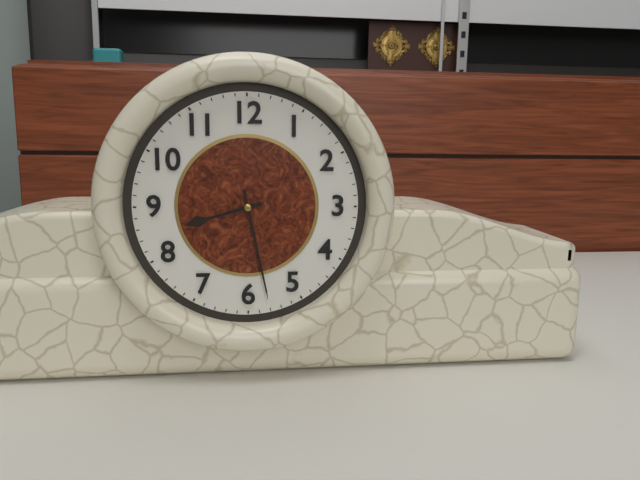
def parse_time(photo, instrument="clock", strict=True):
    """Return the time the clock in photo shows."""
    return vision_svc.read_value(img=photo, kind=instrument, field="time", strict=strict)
8:28
